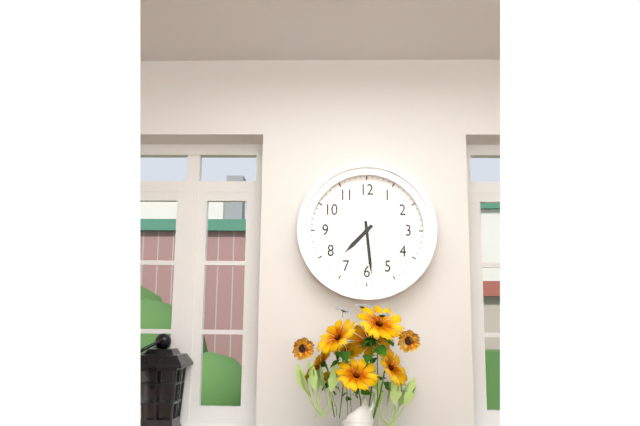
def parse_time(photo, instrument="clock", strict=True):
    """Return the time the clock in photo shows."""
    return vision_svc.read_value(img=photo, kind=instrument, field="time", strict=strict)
7:29
